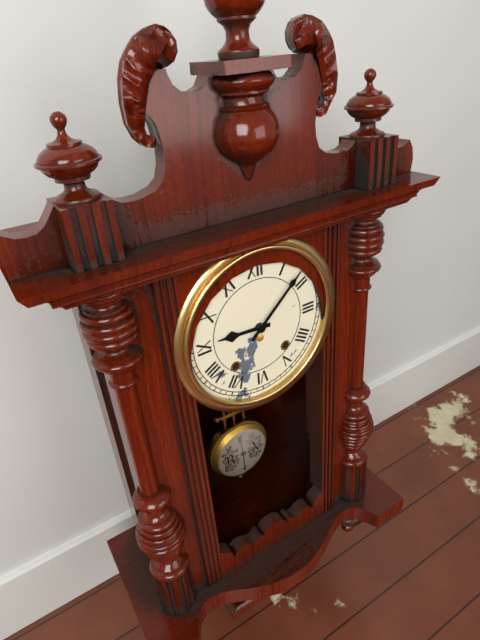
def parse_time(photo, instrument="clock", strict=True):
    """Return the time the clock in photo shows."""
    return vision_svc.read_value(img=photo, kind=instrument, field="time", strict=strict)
9:08
